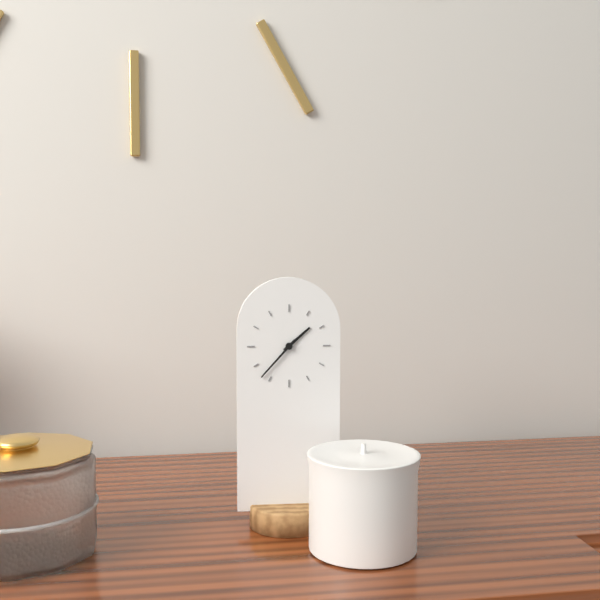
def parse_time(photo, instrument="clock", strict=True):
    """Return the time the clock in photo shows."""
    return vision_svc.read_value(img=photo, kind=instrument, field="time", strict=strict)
1:37
